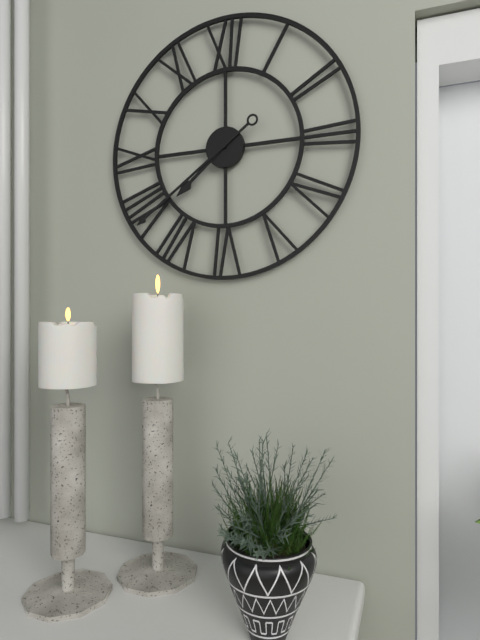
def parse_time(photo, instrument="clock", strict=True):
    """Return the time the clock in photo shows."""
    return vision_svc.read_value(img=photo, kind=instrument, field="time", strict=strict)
7:39
